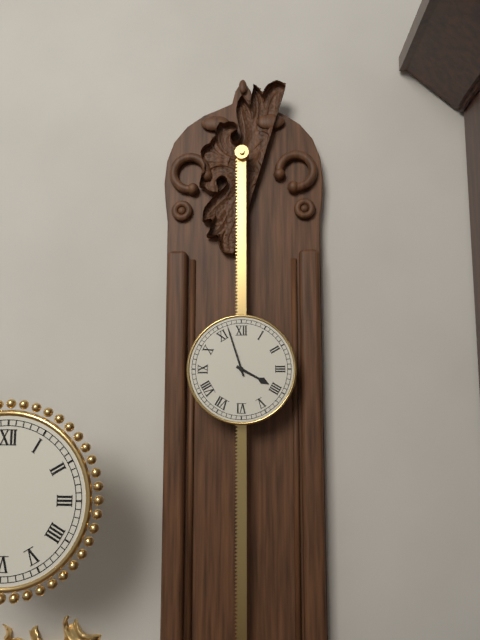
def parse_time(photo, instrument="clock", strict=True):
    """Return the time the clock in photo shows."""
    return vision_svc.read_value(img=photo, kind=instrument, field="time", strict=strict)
3:57
